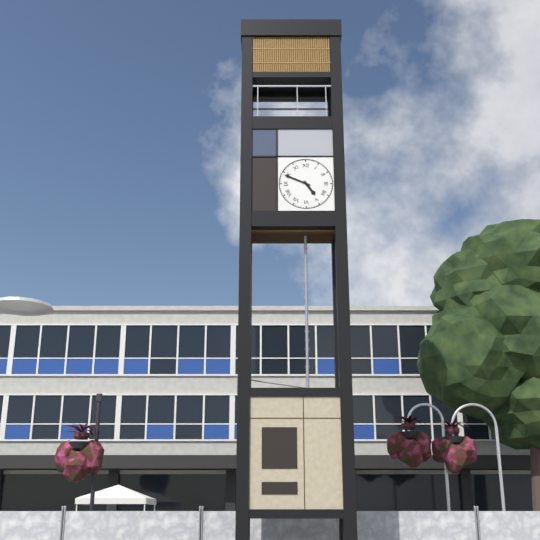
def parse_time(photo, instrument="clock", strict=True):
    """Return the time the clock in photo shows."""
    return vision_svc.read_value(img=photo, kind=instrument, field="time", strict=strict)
4:49
